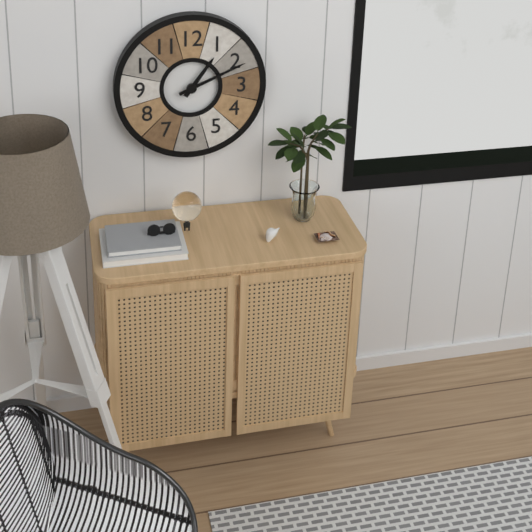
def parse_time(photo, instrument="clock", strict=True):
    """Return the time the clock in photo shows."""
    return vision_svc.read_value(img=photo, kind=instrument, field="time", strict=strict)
1:11
